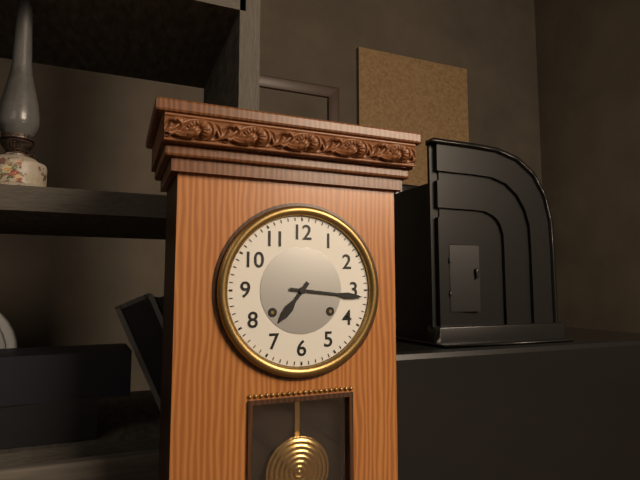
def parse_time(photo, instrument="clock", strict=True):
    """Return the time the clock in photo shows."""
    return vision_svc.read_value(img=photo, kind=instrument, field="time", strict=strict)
7:16
